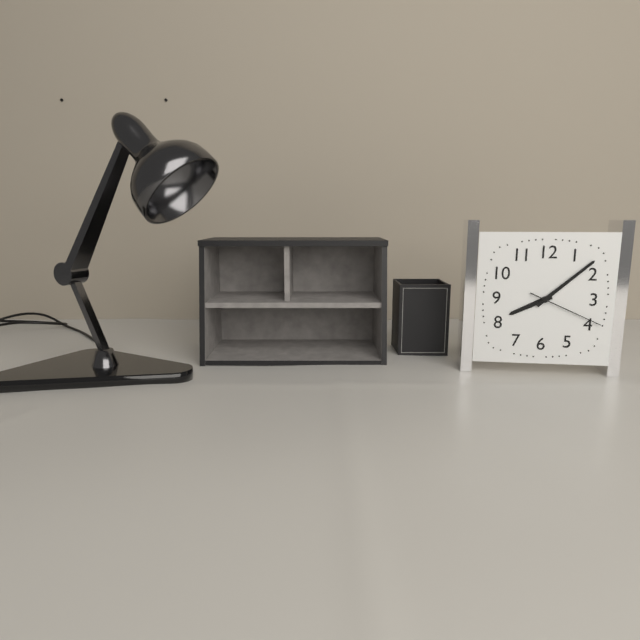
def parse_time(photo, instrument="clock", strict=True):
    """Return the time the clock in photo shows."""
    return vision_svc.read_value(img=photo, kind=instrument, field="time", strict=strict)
8:08:19
